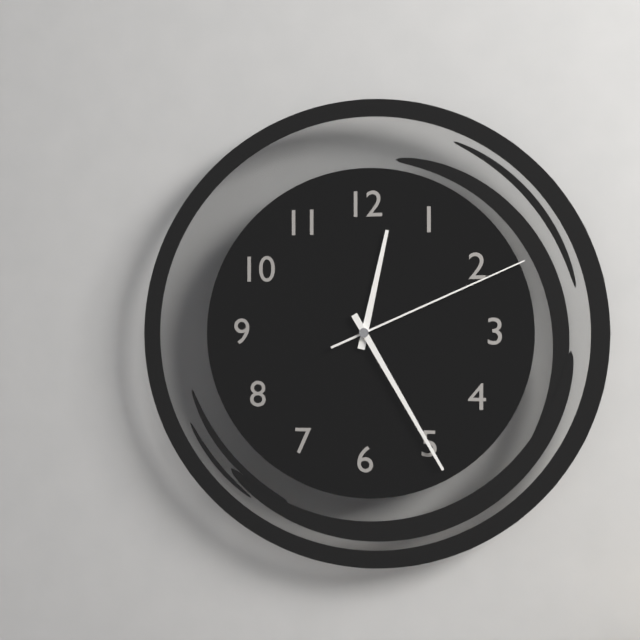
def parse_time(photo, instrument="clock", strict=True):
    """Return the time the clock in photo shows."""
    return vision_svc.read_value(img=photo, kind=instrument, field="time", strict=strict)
12:25:11
